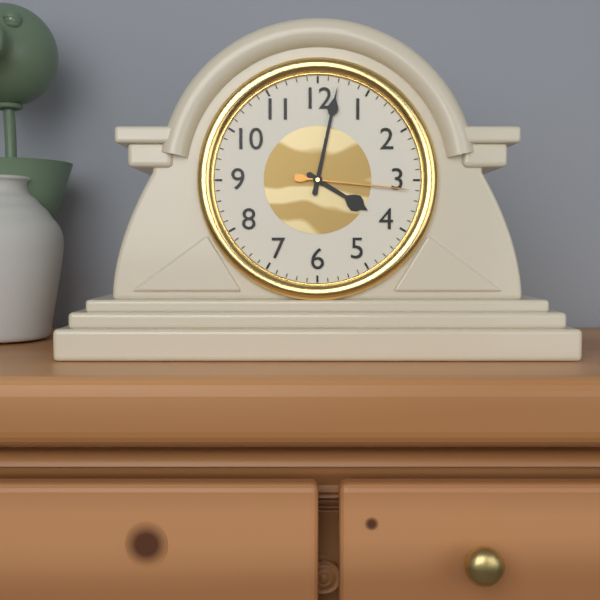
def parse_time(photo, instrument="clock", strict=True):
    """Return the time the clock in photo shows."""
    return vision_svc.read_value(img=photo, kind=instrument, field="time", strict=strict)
4:02:16
